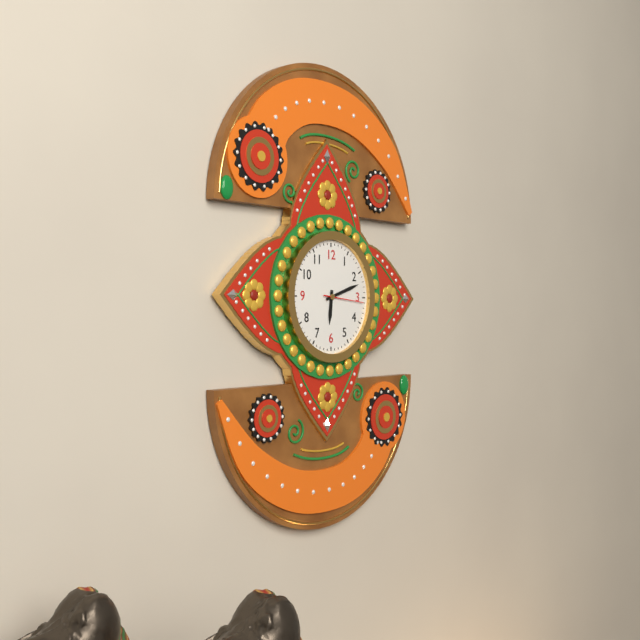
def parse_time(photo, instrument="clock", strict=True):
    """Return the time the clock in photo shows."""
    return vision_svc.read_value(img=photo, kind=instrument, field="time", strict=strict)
6:12:16
